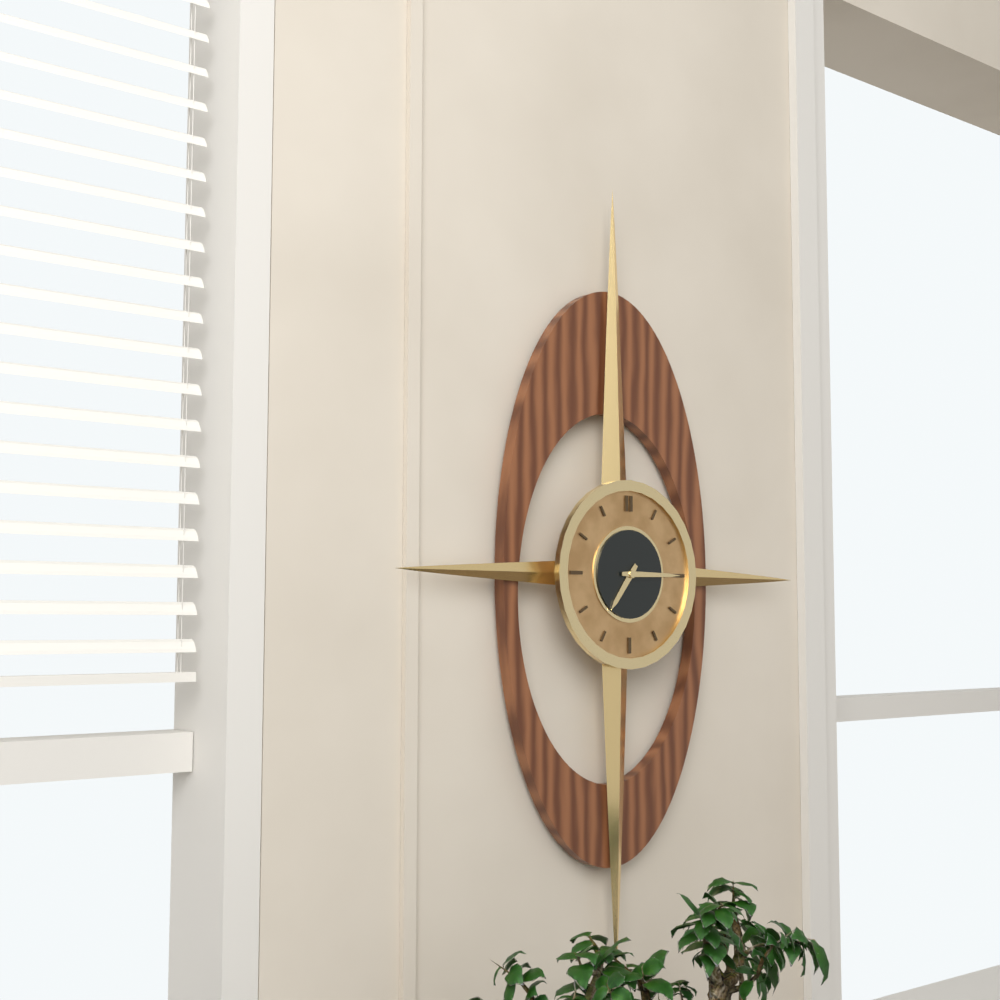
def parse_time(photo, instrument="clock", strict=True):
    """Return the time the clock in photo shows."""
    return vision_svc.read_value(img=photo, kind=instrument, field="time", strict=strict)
7:15
